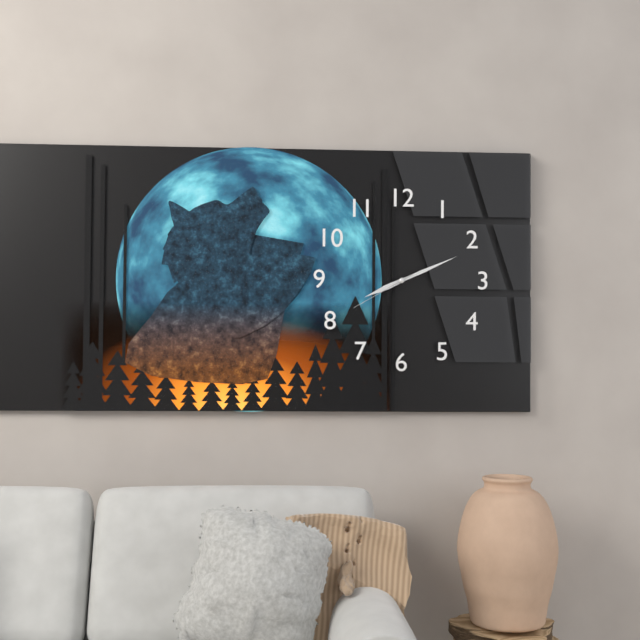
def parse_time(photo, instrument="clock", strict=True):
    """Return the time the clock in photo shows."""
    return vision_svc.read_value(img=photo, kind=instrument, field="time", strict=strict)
8:11:40
